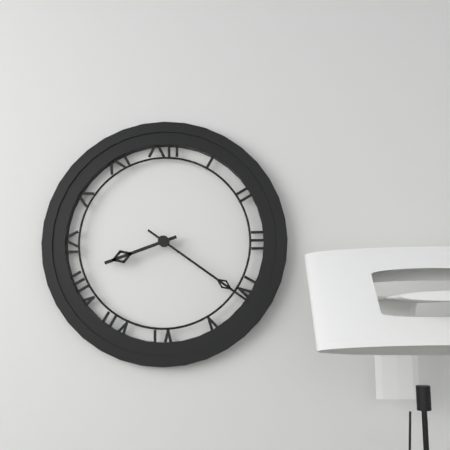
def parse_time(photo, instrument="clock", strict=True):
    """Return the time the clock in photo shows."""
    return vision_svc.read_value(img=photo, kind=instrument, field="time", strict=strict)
8:21
